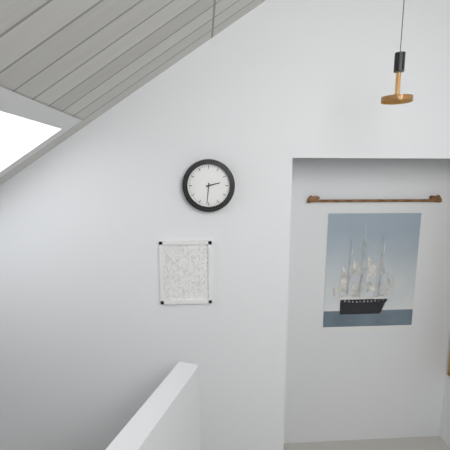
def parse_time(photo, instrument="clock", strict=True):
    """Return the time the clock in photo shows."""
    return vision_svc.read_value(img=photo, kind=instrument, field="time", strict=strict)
2:31
